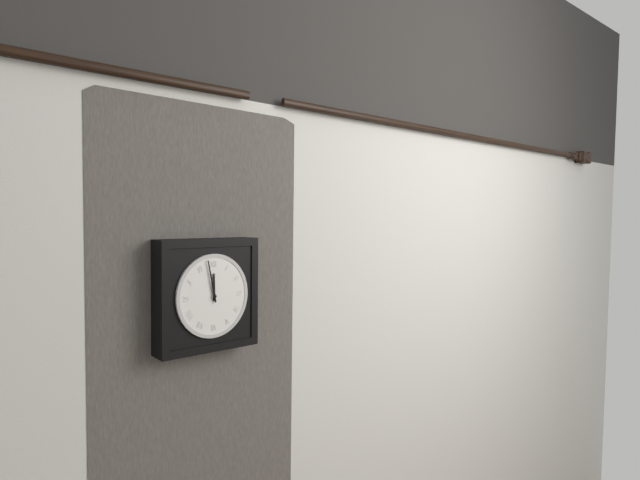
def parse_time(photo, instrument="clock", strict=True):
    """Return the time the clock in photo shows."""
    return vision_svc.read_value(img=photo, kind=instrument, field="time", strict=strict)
11:58
